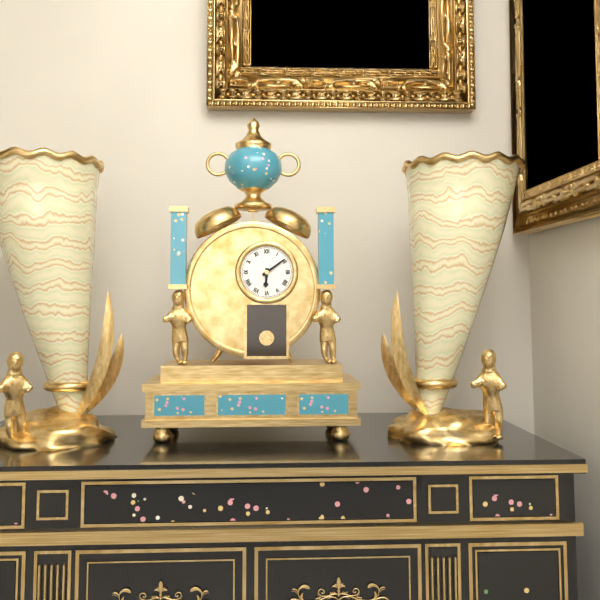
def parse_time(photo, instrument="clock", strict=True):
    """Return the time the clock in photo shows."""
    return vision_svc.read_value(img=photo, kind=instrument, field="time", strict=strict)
6:09
